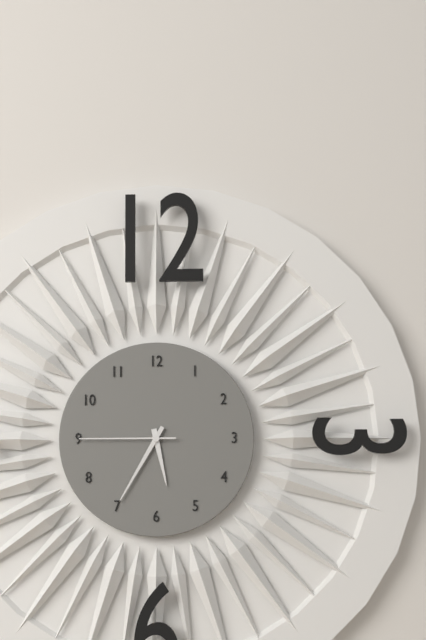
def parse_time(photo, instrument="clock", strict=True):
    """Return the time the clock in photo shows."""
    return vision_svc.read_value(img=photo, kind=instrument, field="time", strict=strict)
5:35:45
